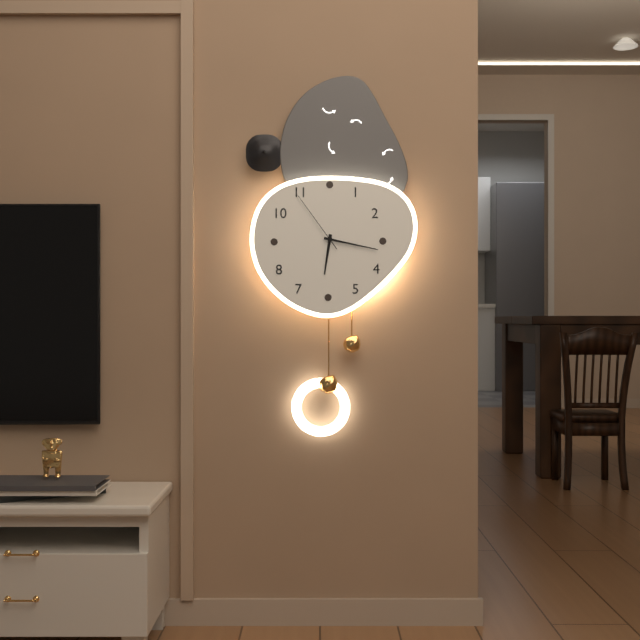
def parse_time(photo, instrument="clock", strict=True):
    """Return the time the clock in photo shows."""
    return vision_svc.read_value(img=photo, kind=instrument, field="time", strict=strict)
6:17:54
